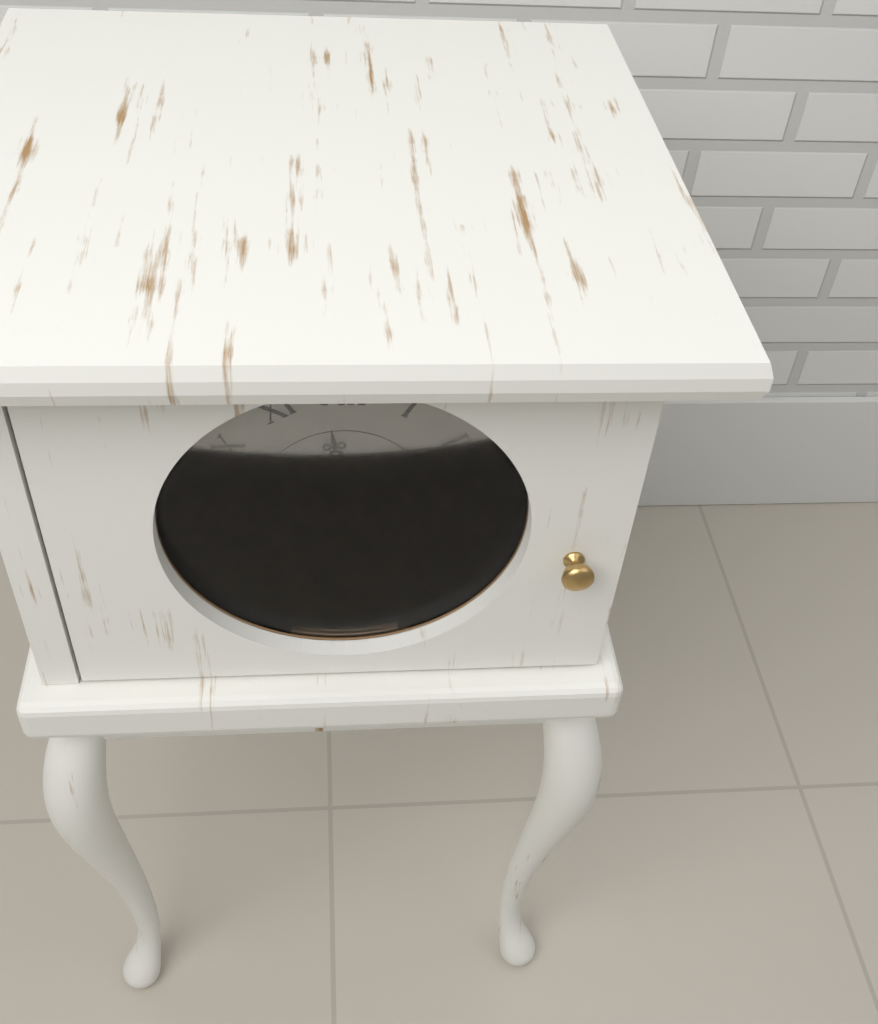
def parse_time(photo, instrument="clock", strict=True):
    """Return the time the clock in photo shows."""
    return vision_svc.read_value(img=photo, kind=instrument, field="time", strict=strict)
11:44:25
